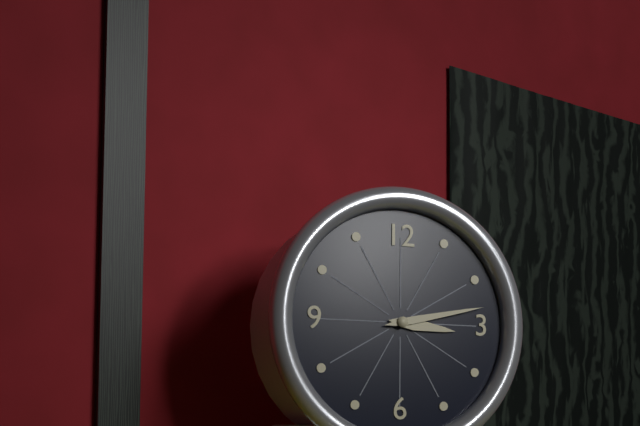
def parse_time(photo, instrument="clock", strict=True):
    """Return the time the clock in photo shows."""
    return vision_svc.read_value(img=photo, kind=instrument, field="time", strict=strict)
3:13
